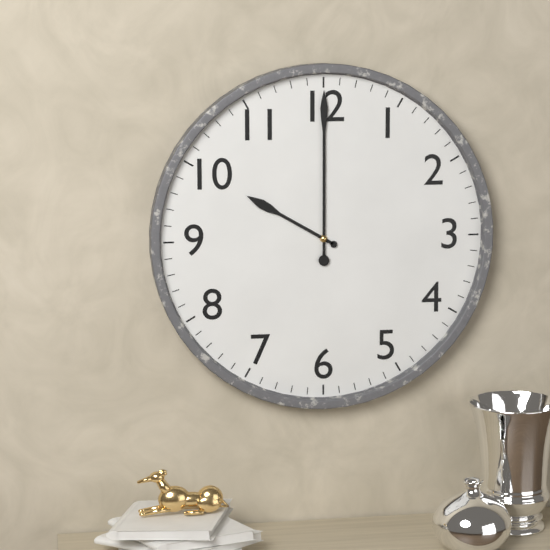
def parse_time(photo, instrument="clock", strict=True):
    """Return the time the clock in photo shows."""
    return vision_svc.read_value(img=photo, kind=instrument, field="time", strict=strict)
10:00
